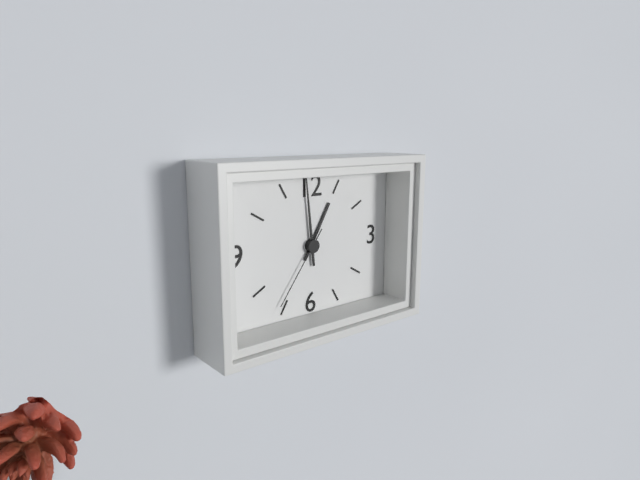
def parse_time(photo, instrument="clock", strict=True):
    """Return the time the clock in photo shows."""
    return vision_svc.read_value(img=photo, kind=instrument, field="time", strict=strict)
12:59:36
